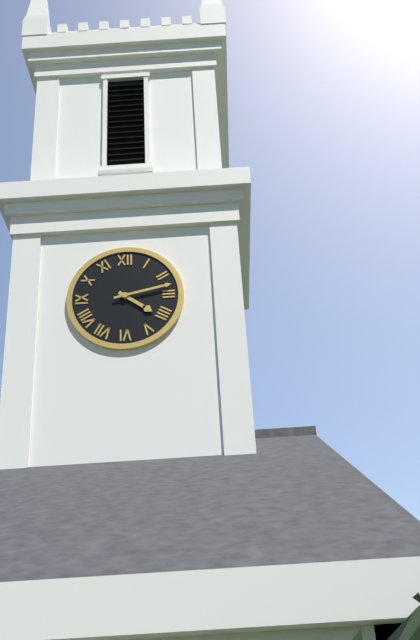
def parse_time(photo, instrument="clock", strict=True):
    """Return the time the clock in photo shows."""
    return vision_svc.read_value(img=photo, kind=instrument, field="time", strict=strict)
4:13
